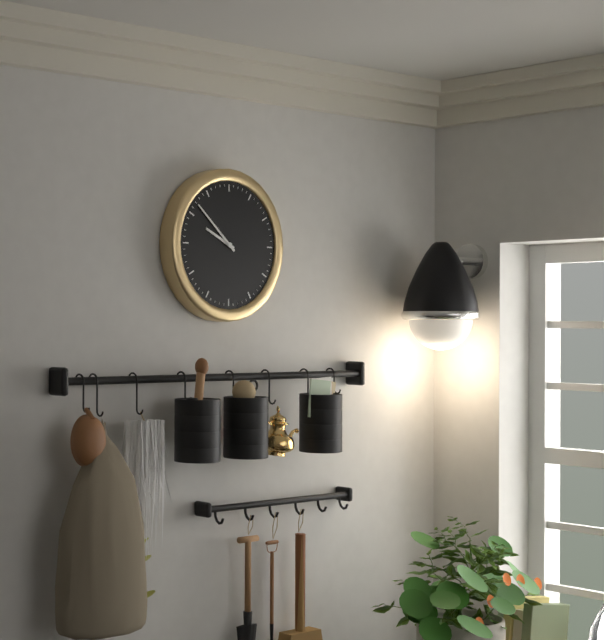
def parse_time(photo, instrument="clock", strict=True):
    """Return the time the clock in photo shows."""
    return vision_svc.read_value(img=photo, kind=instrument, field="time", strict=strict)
9:52
